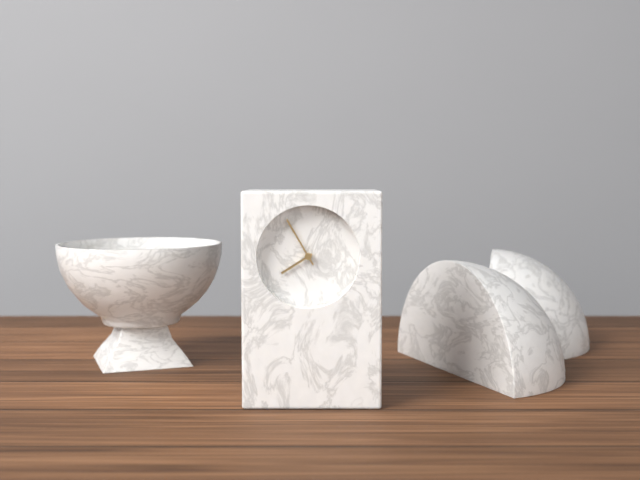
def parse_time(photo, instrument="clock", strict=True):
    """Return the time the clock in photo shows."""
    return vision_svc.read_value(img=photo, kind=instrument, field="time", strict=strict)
7:55
